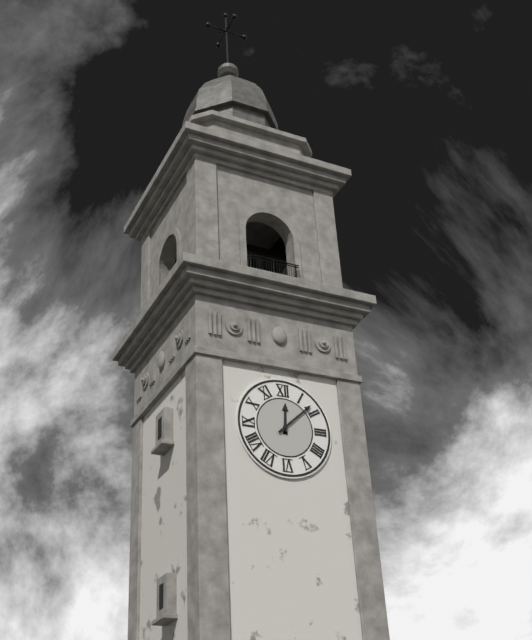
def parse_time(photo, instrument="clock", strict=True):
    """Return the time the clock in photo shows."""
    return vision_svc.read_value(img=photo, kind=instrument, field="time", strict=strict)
12:08
